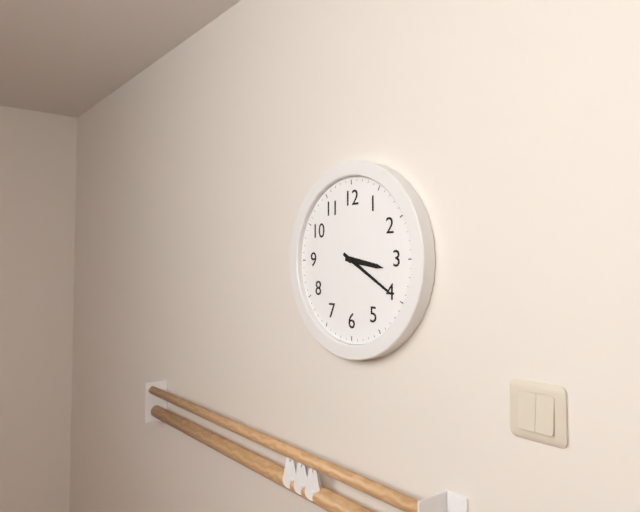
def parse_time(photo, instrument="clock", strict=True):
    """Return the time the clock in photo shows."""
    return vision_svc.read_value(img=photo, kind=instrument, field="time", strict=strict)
3:20
